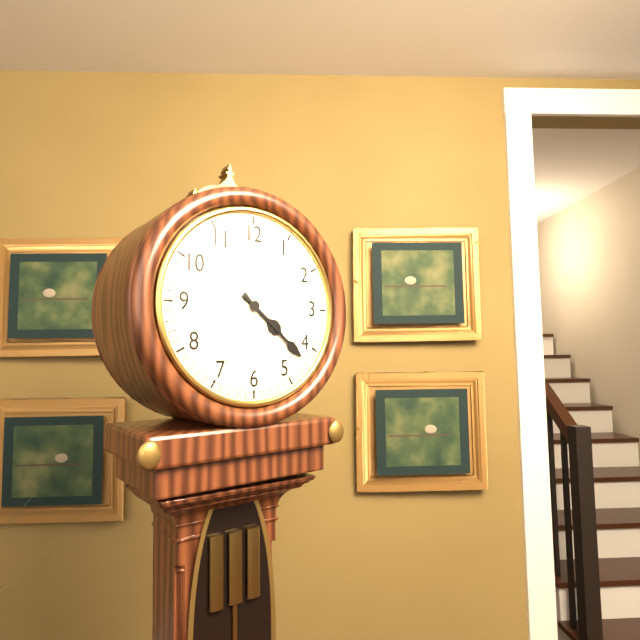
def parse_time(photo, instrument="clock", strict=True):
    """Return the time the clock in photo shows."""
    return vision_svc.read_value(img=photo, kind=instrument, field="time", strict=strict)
4:22
